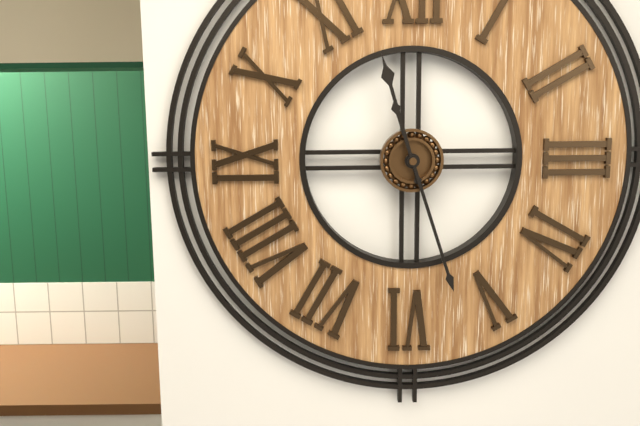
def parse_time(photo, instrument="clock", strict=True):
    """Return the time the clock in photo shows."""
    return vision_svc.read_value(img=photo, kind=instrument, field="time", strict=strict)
11:27
